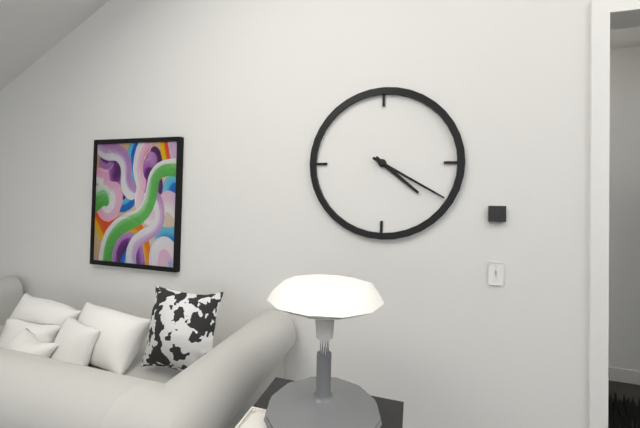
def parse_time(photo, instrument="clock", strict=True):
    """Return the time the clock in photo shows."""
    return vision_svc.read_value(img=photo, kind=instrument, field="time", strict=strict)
4:20
